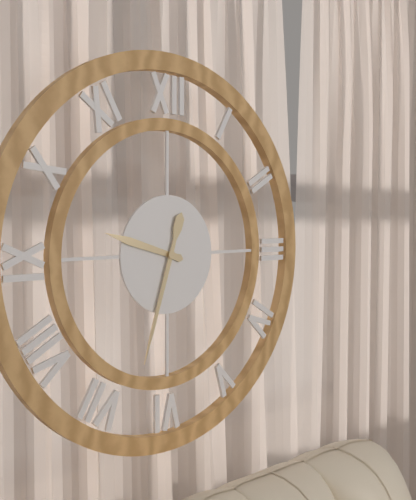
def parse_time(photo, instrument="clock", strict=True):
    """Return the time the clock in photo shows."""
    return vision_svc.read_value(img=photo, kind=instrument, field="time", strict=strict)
9:33
